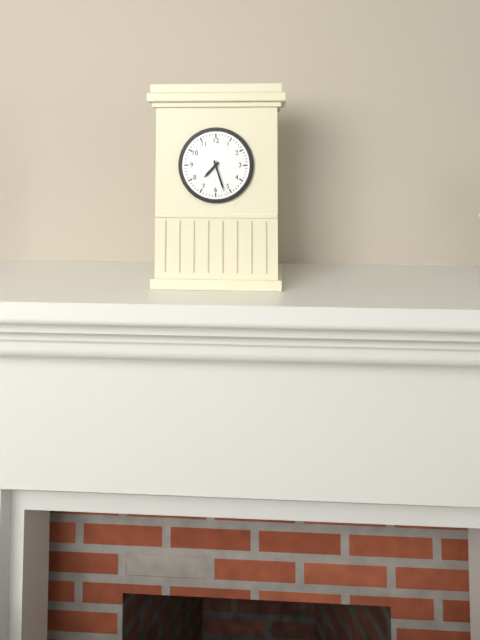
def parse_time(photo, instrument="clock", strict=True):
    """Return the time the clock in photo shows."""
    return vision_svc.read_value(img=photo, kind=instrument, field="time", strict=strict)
7:27
